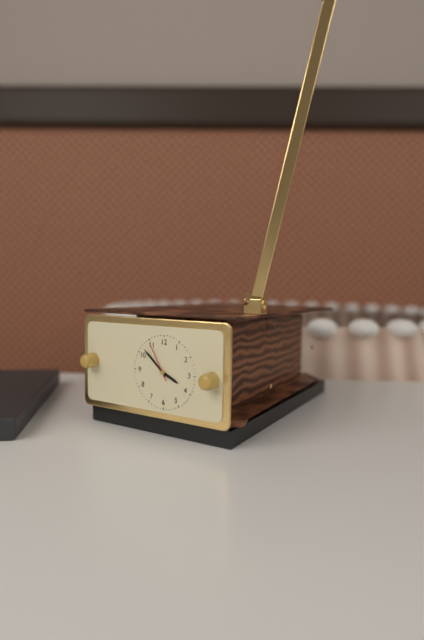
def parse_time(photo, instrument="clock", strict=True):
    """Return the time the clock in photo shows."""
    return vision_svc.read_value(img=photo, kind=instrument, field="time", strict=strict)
3:52
